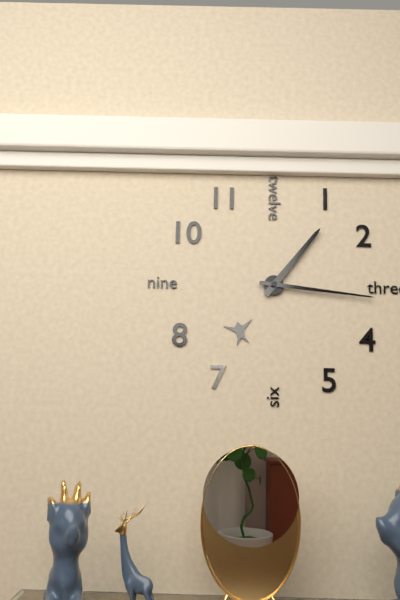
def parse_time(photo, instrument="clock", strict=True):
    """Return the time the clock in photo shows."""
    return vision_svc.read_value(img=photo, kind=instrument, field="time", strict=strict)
1:16
